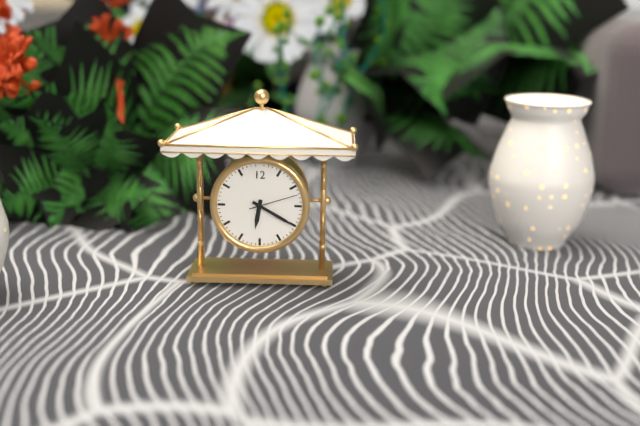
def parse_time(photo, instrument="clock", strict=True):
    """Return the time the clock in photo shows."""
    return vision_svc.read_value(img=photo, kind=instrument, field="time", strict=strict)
6:20
